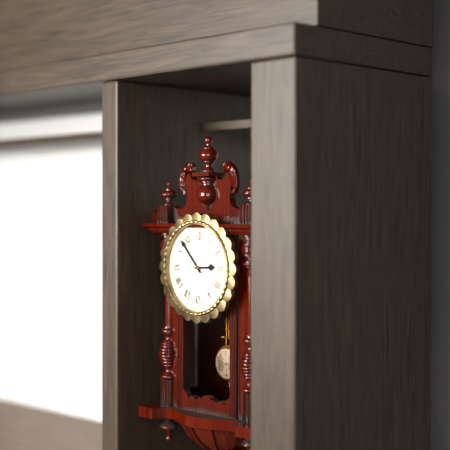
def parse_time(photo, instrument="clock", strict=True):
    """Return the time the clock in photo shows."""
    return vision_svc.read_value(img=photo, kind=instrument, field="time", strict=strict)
2:53
